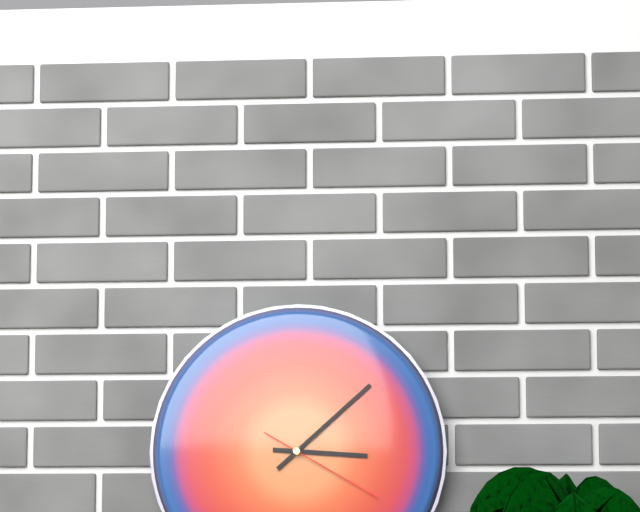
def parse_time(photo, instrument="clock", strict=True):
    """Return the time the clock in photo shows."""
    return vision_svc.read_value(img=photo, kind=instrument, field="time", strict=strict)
3:08:20
